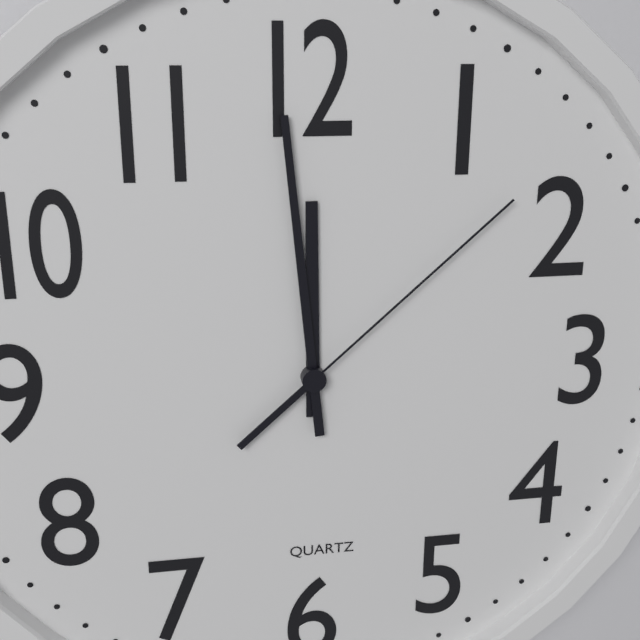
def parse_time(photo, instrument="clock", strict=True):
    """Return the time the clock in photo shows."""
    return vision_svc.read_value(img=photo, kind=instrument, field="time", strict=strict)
11:59:08
